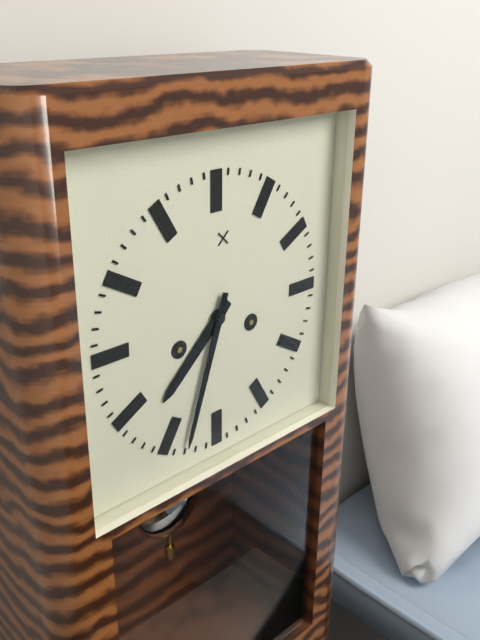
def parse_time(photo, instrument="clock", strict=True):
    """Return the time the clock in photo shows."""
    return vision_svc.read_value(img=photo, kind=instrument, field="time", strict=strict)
7:33
